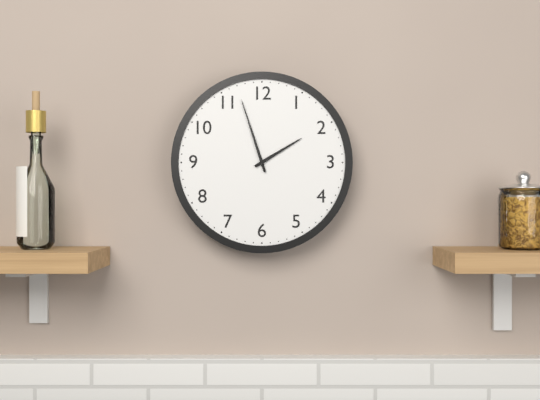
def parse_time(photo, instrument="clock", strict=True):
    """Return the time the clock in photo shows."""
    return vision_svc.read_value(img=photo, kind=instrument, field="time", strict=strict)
1:57
